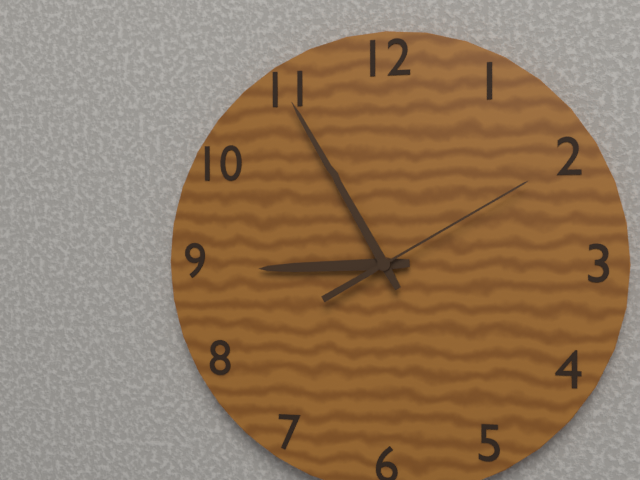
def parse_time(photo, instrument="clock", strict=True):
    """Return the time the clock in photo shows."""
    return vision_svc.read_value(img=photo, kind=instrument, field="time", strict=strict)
8:55:10
